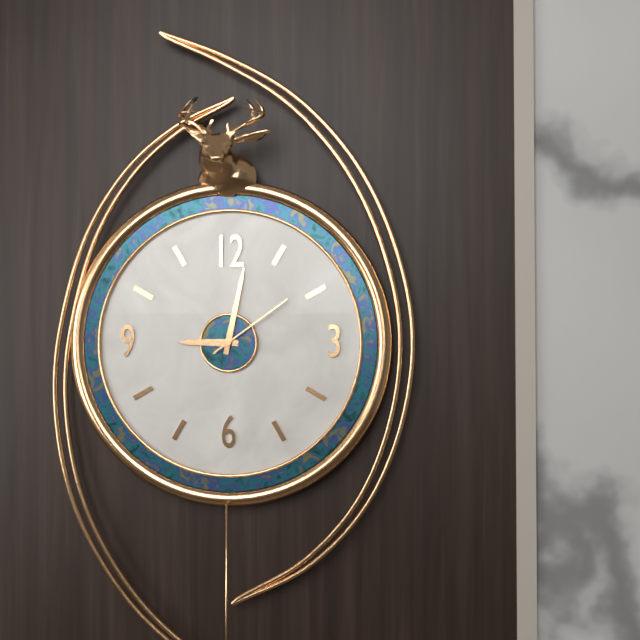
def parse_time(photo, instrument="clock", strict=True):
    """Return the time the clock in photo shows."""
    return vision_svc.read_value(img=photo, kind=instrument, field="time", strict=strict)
9:02:09
